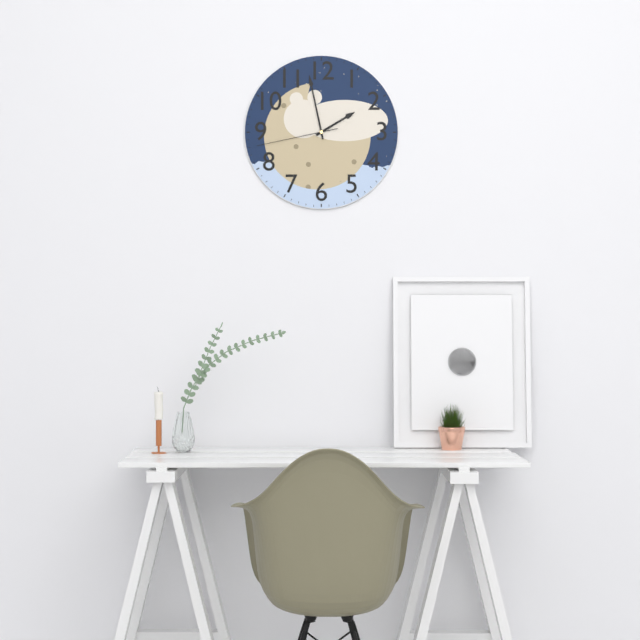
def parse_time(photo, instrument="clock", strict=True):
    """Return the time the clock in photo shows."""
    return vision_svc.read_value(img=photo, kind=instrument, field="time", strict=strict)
1:58:43
